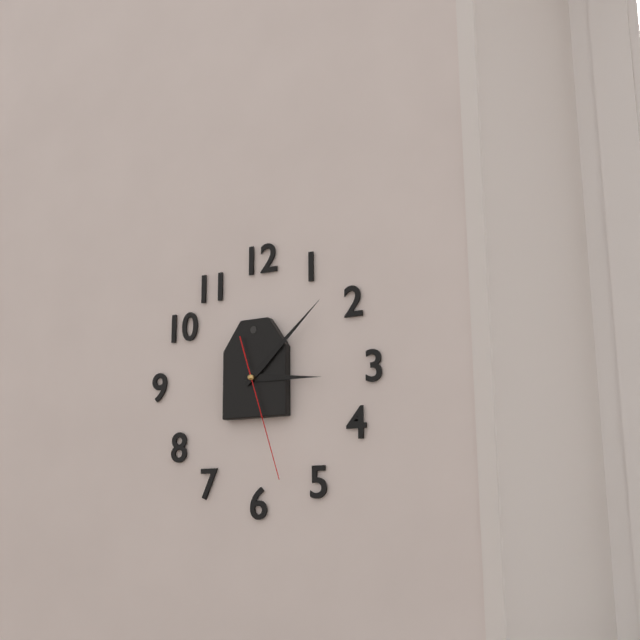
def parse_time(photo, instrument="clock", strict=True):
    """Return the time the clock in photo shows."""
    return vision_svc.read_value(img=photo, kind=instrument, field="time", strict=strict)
3:08:27
